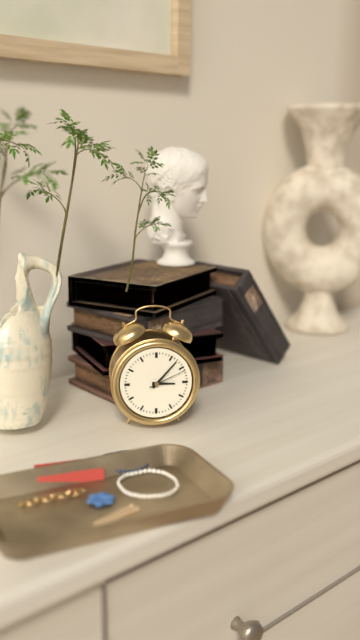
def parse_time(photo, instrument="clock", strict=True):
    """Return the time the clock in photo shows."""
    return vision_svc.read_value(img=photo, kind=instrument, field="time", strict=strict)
3:07
